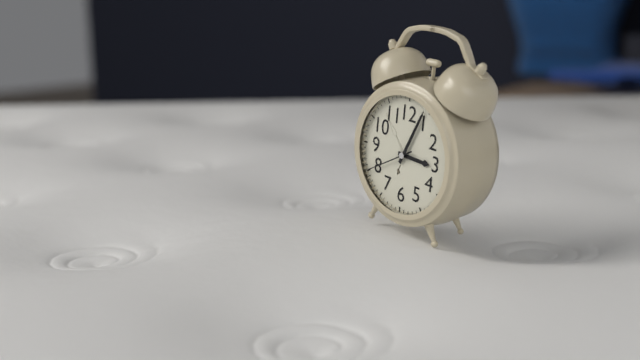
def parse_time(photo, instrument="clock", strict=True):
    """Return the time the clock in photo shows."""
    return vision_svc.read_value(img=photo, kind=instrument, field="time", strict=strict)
3:04
